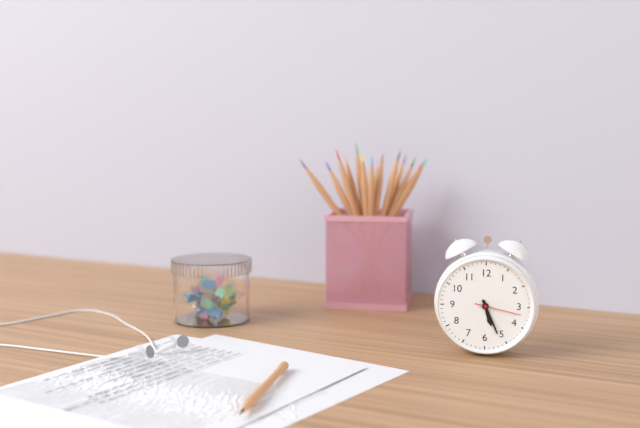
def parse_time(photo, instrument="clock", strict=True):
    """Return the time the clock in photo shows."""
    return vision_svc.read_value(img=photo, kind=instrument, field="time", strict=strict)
5:26
